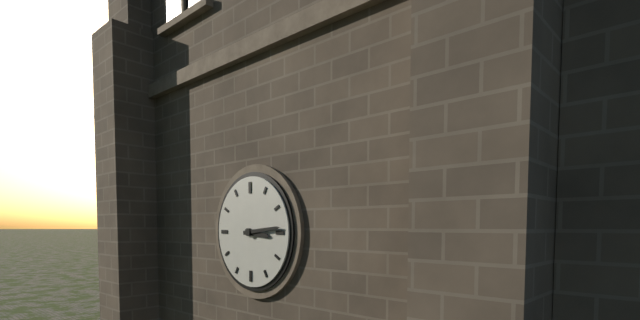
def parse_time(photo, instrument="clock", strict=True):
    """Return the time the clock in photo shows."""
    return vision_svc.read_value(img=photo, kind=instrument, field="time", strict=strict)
3:14
